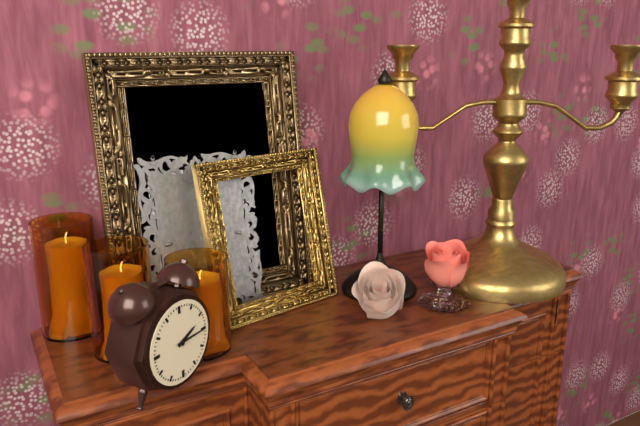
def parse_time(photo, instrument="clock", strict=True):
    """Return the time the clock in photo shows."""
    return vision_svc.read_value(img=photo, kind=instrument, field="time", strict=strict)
2:15
